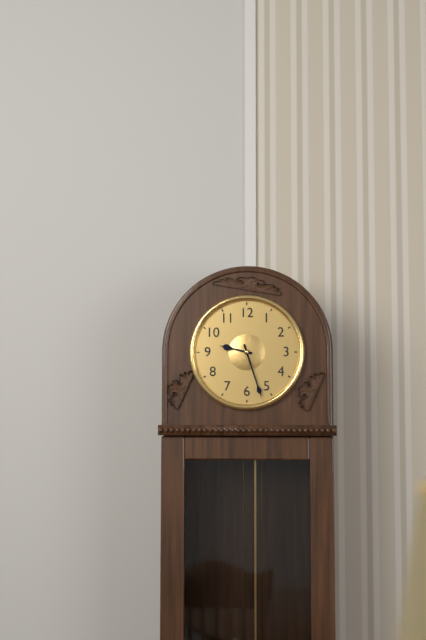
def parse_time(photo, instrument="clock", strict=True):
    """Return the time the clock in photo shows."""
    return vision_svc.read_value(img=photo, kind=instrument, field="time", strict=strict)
9:27
